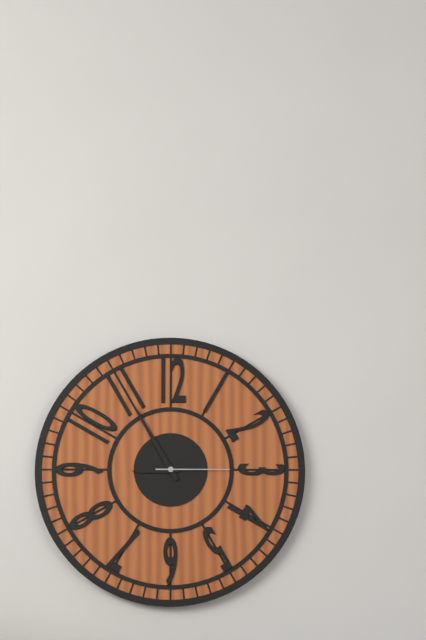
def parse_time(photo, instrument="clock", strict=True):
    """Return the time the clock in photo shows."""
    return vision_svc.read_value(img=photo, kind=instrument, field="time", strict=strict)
8:55:15
